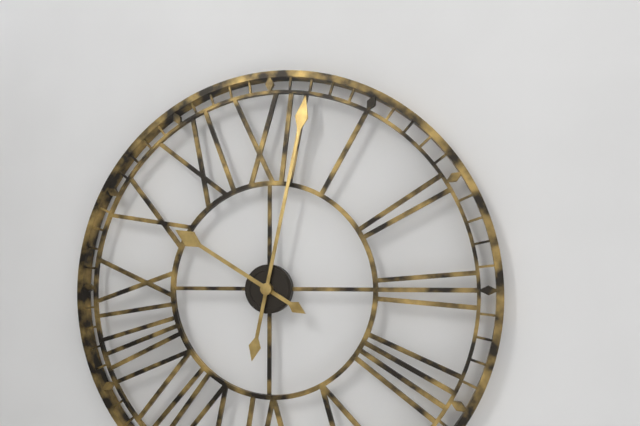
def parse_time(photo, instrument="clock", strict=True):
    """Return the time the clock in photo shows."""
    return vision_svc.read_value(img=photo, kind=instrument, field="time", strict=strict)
10:02
